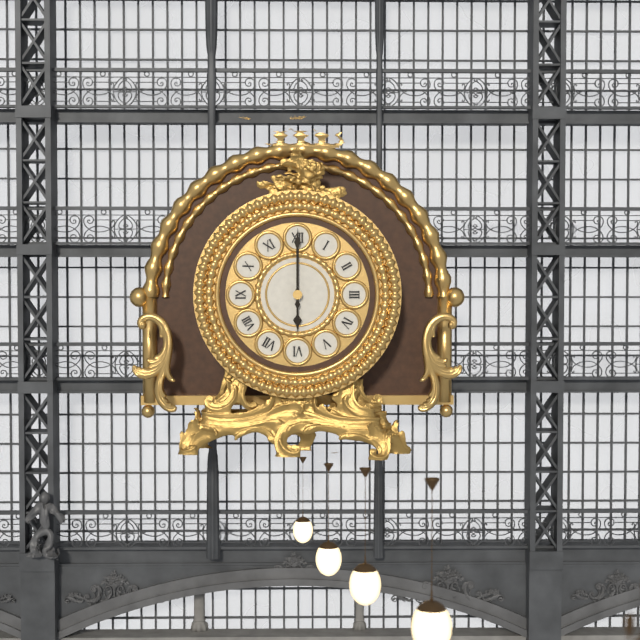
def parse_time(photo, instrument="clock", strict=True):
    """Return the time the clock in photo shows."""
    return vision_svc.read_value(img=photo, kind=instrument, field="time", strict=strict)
6:00
